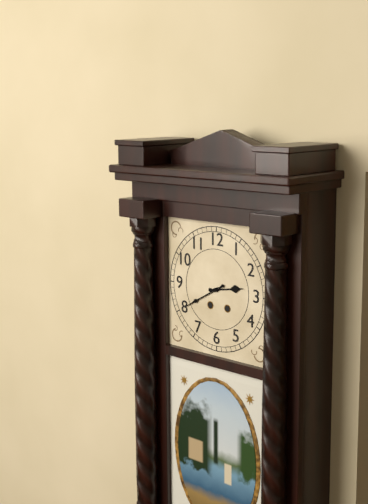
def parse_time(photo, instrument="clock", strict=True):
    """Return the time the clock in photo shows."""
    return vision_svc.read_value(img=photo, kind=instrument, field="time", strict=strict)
2:40
